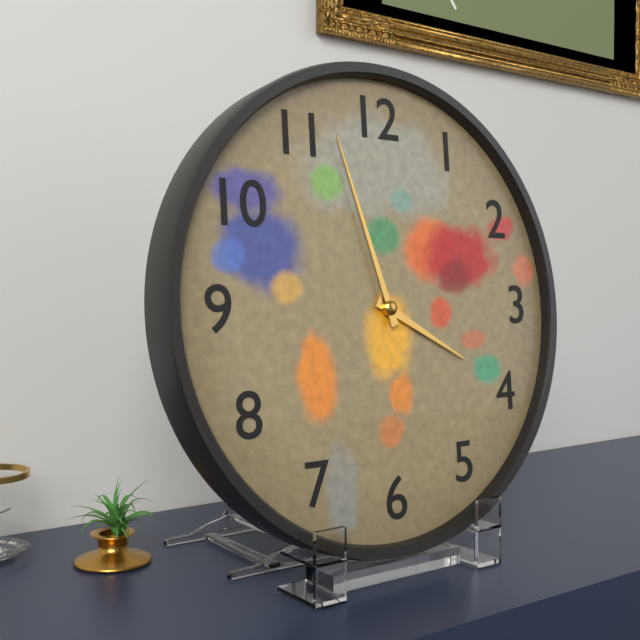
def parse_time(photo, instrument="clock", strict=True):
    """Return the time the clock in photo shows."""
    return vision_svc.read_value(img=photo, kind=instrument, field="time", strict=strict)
3:57
